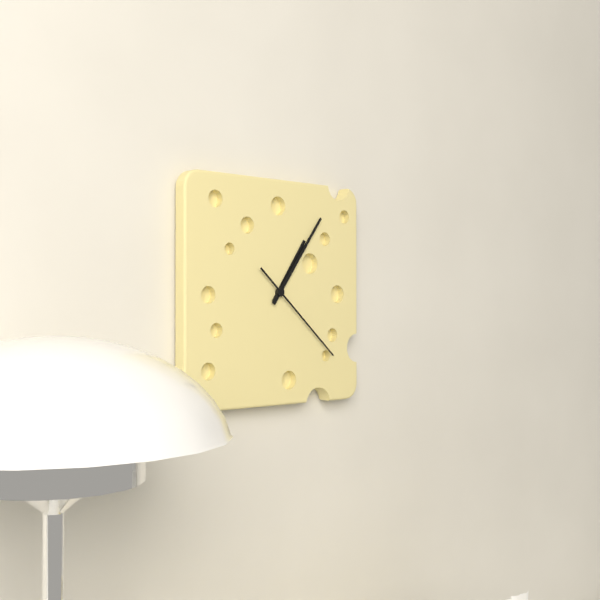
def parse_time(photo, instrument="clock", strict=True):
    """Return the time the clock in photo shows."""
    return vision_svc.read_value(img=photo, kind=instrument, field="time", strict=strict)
1:06:22
